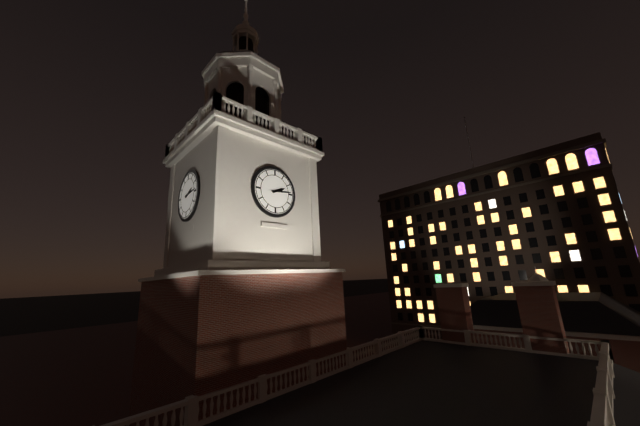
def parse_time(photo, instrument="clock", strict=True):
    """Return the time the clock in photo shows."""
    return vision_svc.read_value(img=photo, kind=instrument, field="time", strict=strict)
2:14
